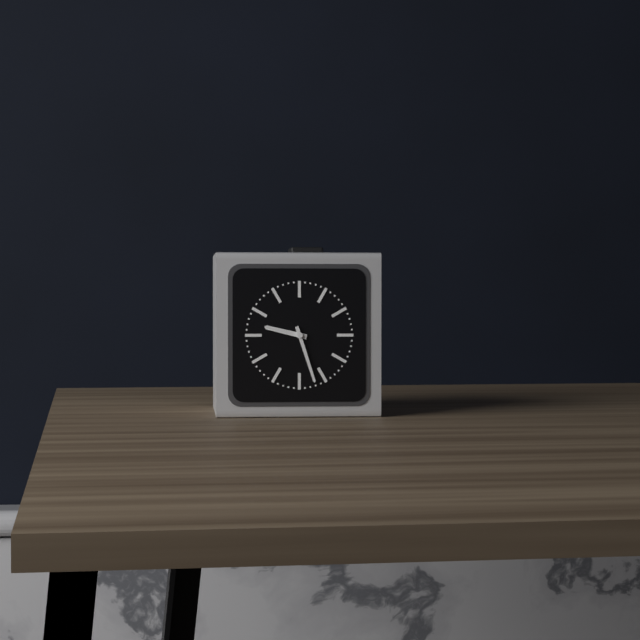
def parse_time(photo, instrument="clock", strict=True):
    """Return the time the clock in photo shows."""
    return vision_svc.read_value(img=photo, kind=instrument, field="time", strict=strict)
9:27
